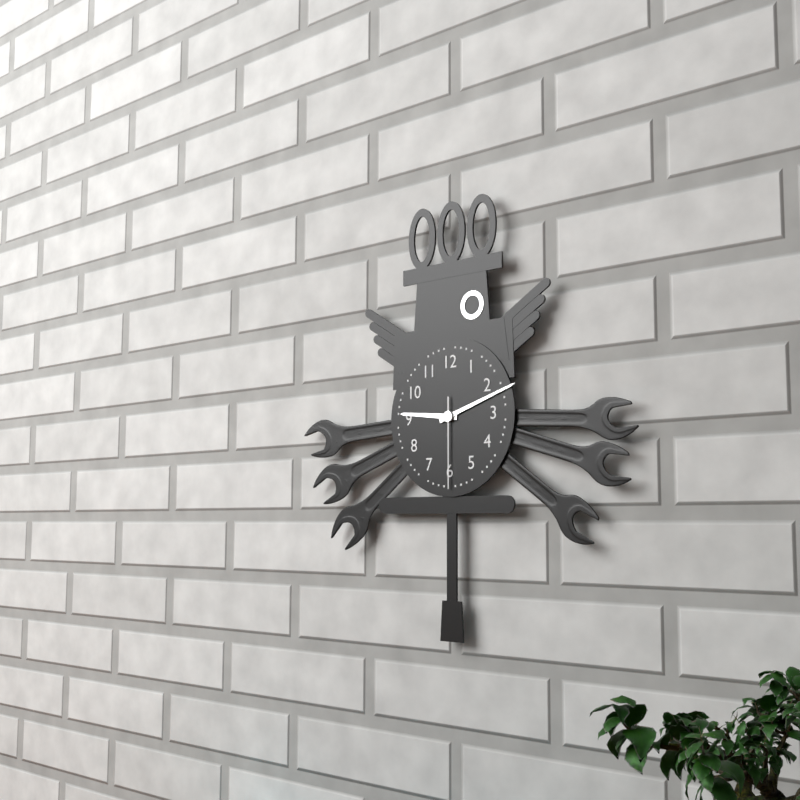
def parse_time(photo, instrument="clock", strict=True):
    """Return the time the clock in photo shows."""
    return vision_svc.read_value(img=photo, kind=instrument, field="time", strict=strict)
9:12:30
